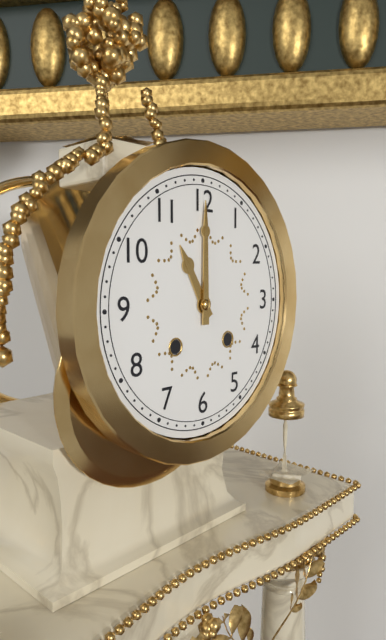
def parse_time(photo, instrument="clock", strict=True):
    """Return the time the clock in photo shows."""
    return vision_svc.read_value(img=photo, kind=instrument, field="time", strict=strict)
11:00
